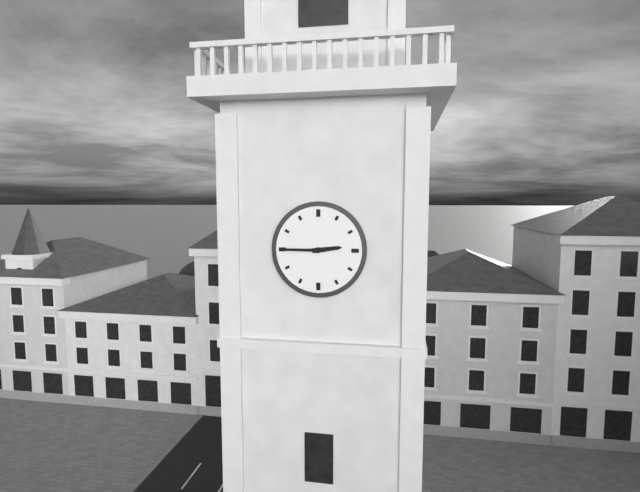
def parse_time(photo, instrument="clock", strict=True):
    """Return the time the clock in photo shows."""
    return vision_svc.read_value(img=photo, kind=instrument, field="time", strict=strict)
2:45
